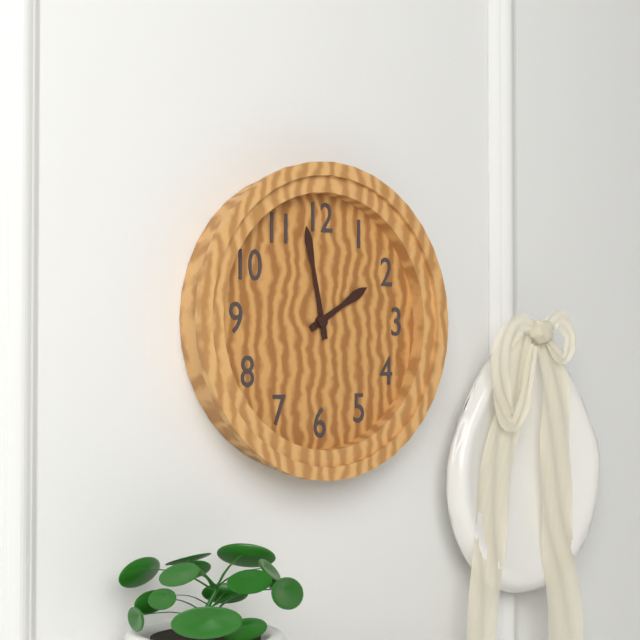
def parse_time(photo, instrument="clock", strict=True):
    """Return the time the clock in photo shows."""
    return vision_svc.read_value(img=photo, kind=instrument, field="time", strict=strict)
1:58
